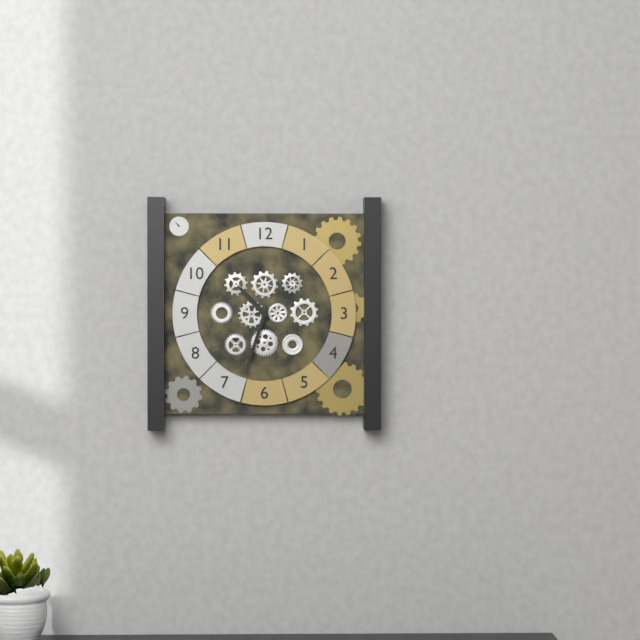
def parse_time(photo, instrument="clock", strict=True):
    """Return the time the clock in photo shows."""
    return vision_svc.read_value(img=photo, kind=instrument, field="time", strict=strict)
10:33
